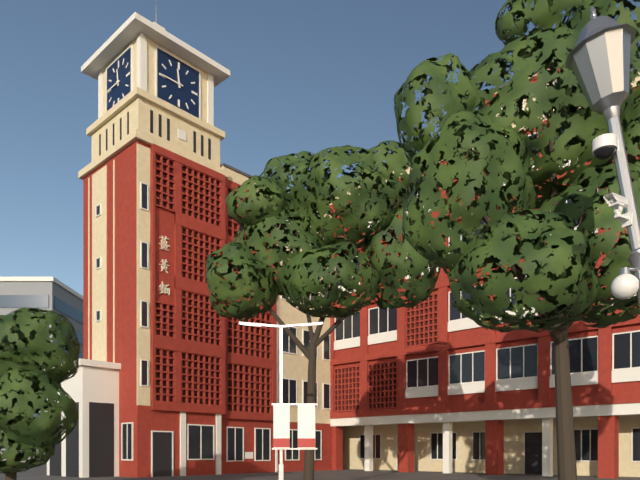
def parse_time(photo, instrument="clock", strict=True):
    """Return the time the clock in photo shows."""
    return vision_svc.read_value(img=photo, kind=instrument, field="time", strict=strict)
11:45
